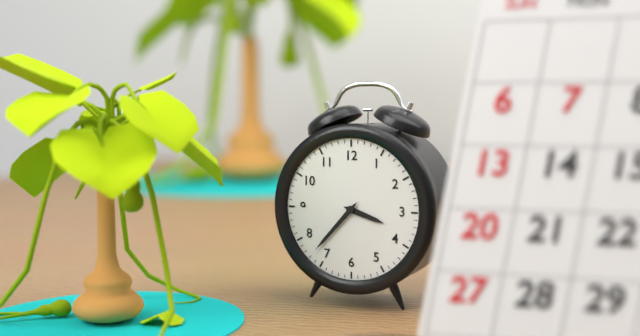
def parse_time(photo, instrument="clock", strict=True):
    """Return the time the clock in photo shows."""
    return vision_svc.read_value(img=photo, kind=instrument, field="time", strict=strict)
3:37
